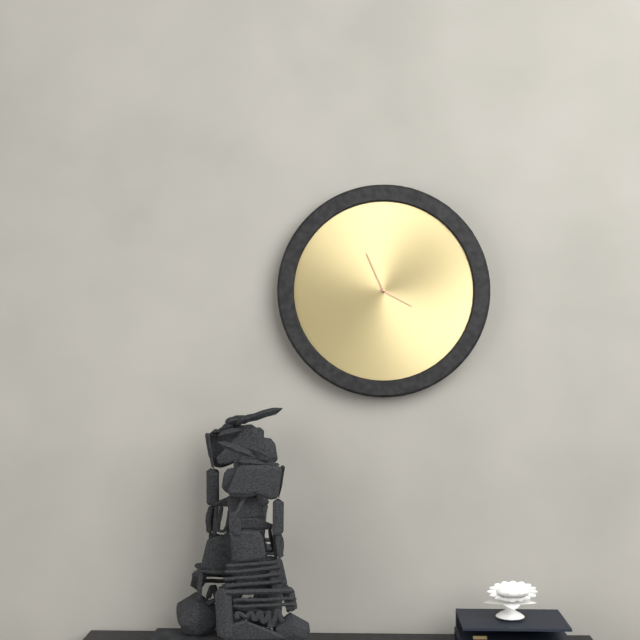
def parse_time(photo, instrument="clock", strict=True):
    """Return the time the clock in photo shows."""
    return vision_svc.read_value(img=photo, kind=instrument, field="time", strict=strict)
3:56
